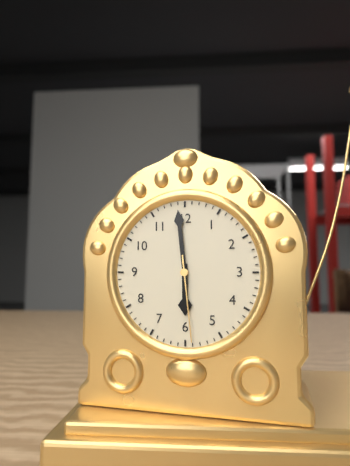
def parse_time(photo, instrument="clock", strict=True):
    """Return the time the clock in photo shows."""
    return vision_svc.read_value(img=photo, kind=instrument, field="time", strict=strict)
5:59:29
